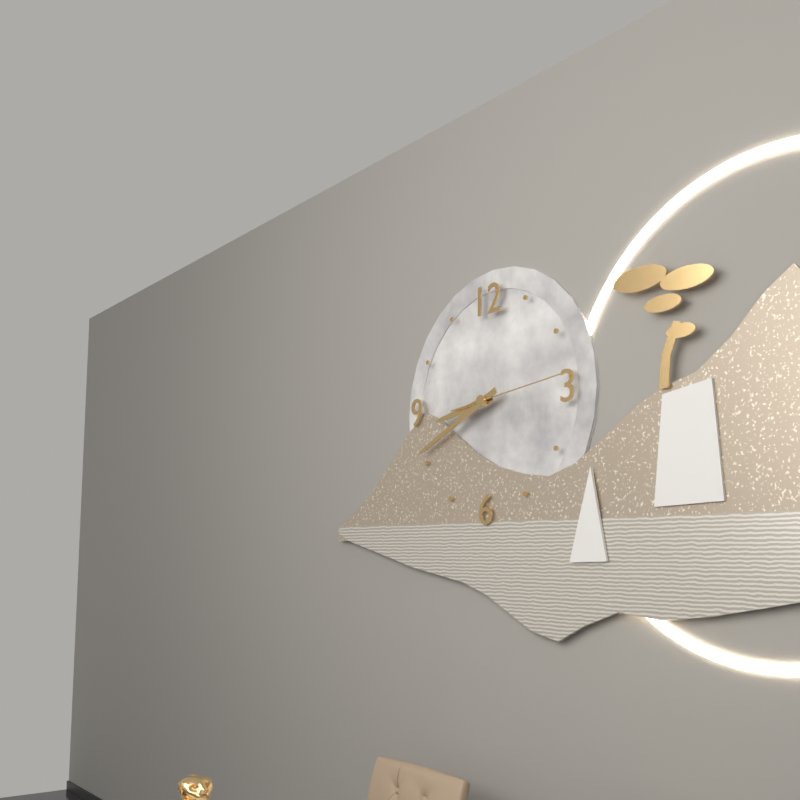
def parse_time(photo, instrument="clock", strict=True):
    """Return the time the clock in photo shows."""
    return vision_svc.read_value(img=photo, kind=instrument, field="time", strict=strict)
8:41:14
